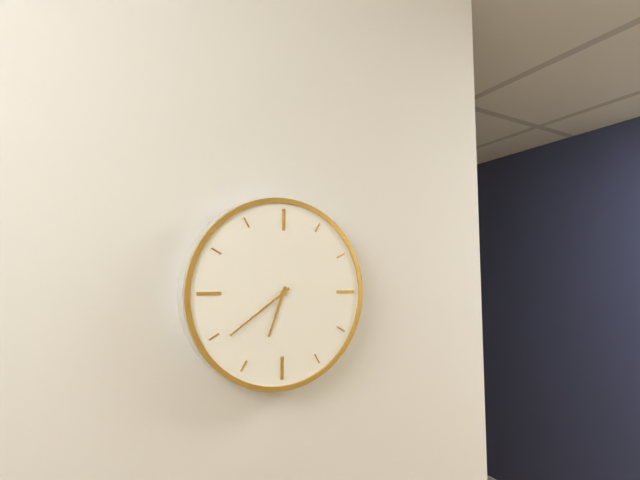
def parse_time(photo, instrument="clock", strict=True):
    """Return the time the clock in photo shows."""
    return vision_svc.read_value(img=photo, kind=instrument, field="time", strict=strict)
6:39
